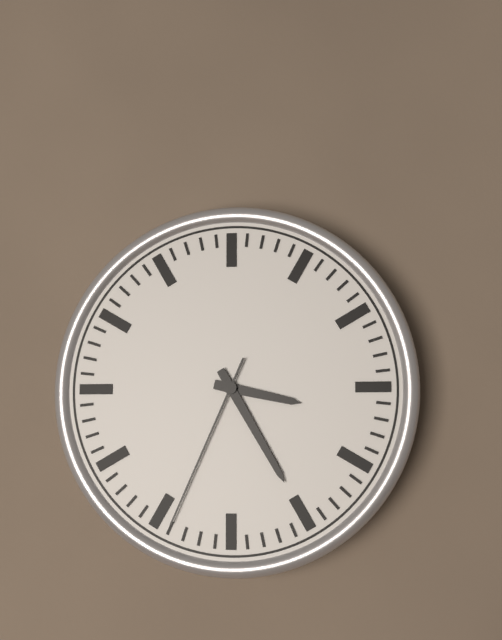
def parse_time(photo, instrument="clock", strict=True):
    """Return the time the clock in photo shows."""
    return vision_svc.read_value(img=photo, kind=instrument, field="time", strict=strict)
3:25:34
